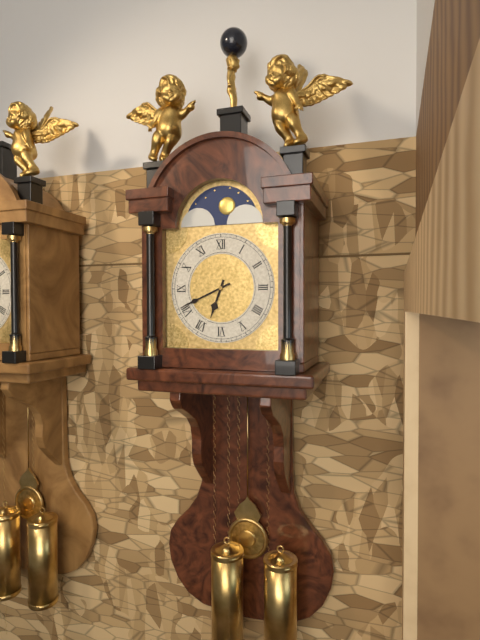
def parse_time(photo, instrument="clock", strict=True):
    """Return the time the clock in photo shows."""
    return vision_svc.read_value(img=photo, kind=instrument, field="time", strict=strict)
6:41
